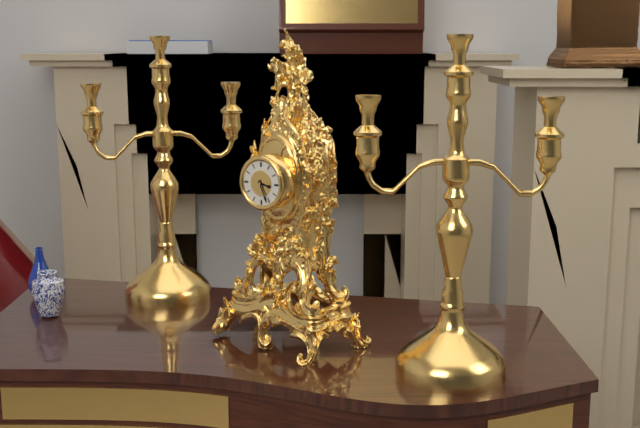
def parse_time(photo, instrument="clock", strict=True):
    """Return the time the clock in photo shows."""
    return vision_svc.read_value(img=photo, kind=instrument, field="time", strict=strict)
3:26
